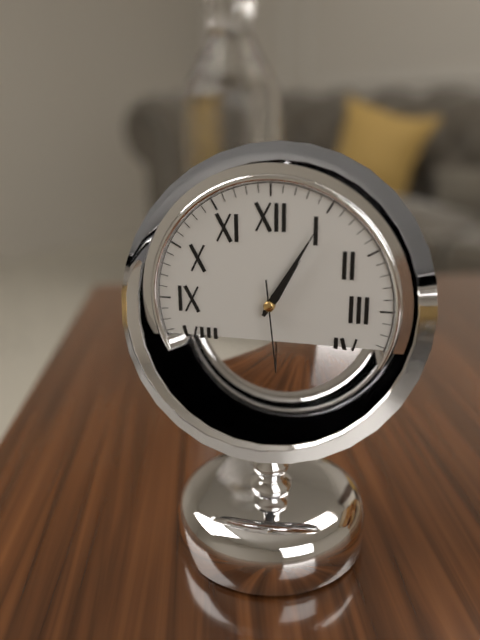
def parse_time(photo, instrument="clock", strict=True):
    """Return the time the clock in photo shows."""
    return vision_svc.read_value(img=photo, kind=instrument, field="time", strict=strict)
1:05
